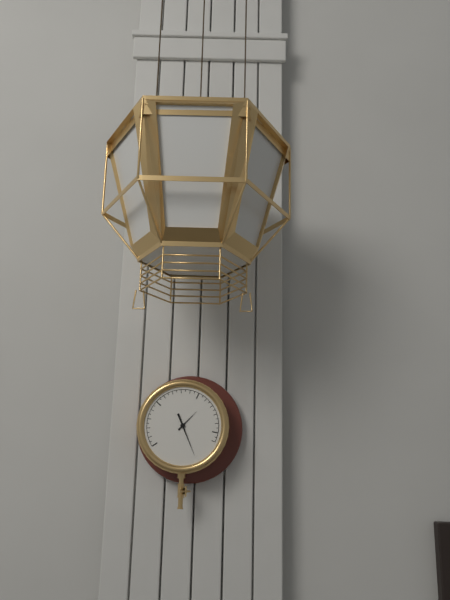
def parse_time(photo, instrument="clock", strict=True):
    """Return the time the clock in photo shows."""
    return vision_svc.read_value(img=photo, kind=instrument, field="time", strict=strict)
1:26
